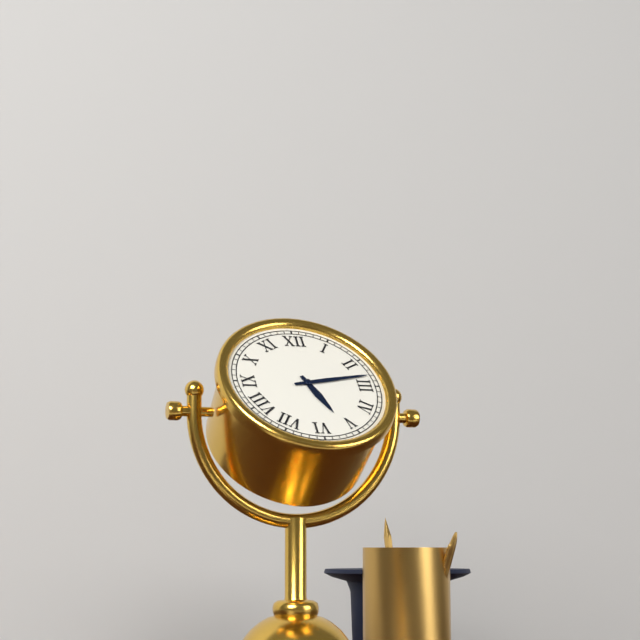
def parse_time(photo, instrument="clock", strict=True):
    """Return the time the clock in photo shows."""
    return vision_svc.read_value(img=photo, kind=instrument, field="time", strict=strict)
5:13
